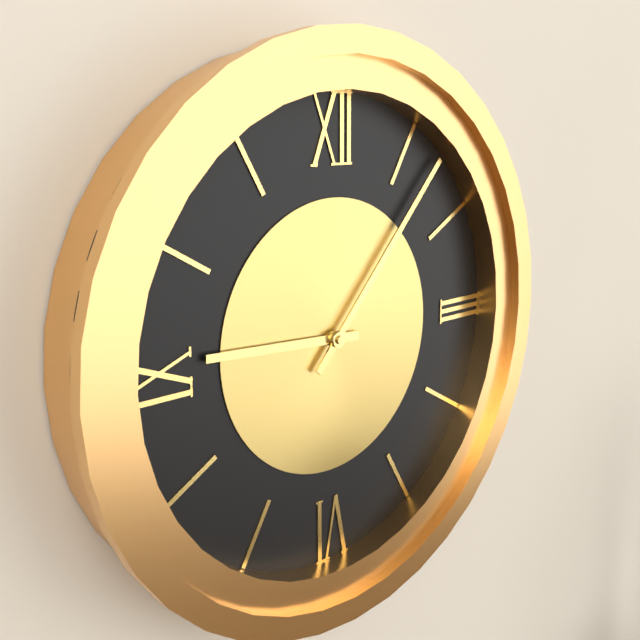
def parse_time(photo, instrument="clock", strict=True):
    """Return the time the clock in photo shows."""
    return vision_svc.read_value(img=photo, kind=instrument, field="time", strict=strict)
9:07
